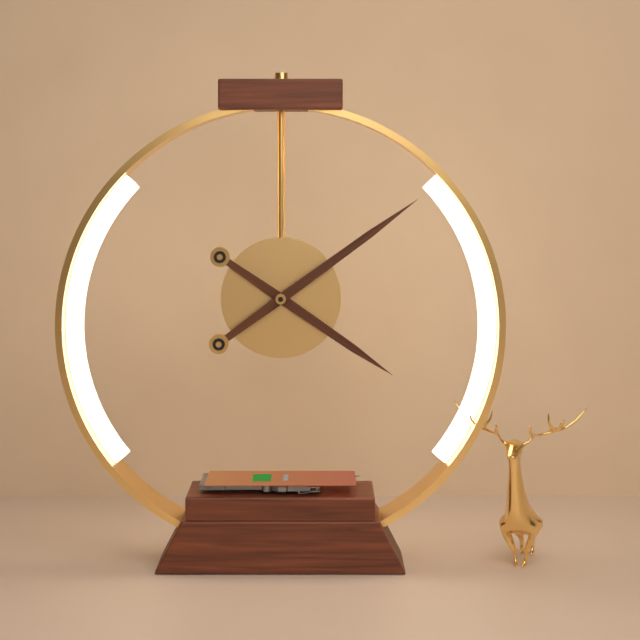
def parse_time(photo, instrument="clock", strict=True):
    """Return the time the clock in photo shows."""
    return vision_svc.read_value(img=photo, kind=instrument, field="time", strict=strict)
4:09
